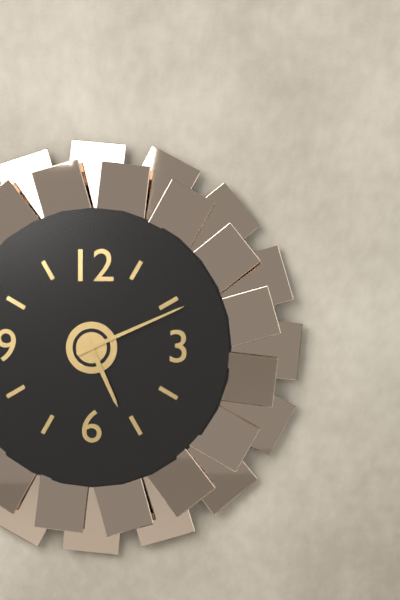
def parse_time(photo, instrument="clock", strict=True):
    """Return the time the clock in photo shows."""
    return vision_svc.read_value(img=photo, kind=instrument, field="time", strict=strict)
5:11
